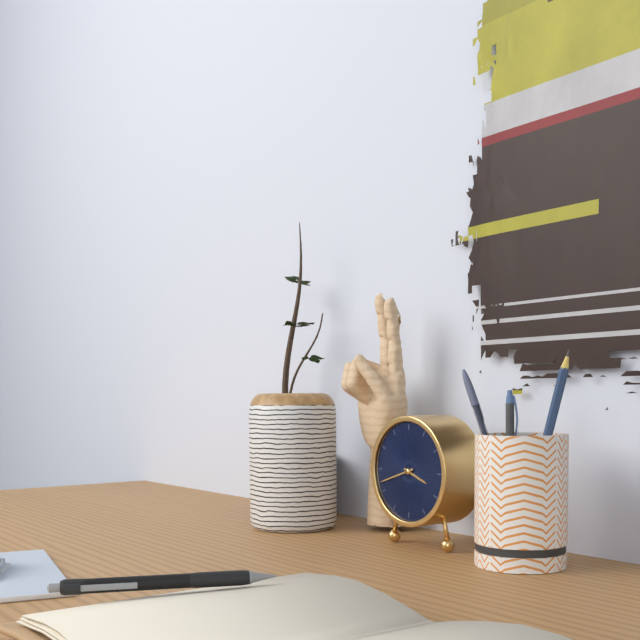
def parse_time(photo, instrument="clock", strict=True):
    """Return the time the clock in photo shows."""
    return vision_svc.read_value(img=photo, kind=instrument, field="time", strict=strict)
3:42
